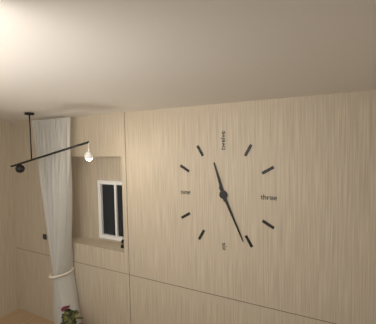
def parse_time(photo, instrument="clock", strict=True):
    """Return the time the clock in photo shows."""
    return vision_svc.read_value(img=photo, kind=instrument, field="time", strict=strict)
11:26
